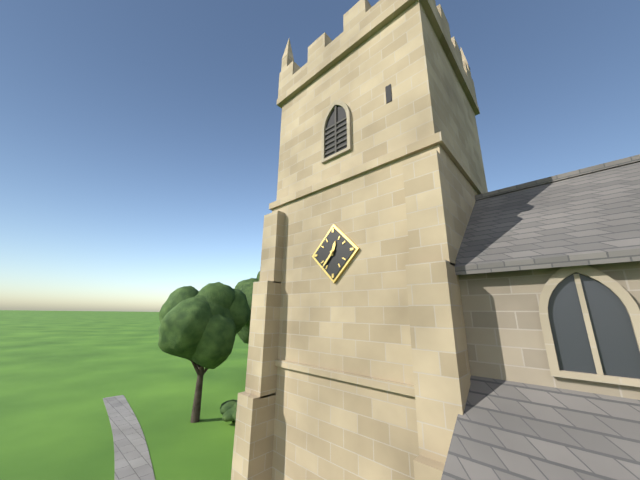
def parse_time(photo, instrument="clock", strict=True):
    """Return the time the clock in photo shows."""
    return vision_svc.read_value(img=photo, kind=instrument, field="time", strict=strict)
12:37
